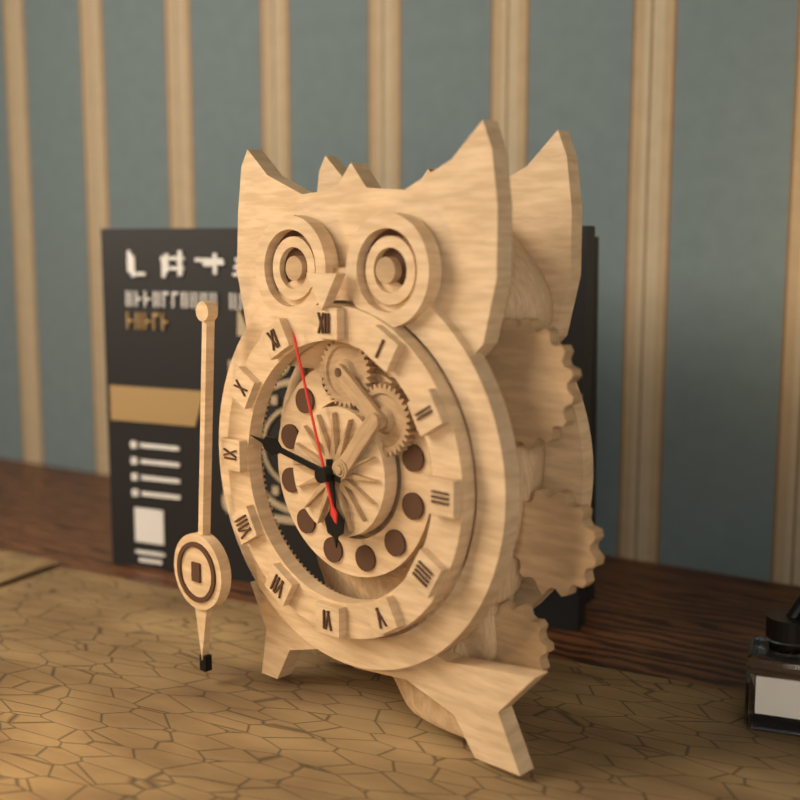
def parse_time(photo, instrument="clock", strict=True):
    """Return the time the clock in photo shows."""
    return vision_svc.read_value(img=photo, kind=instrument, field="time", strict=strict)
5:47:57
